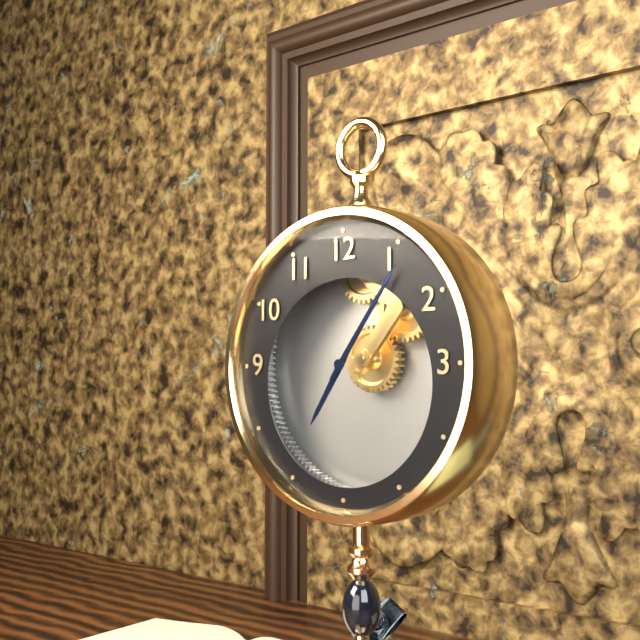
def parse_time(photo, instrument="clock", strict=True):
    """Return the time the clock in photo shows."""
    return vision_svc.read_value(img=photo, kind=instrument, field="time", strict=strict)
7:06
